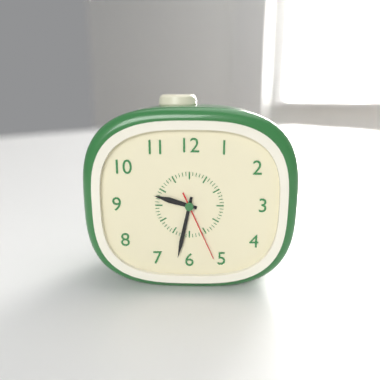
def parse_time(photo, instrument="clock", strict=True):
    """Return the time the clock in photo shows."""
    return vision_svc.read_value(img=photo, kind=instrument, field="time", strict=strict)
9:32:26
